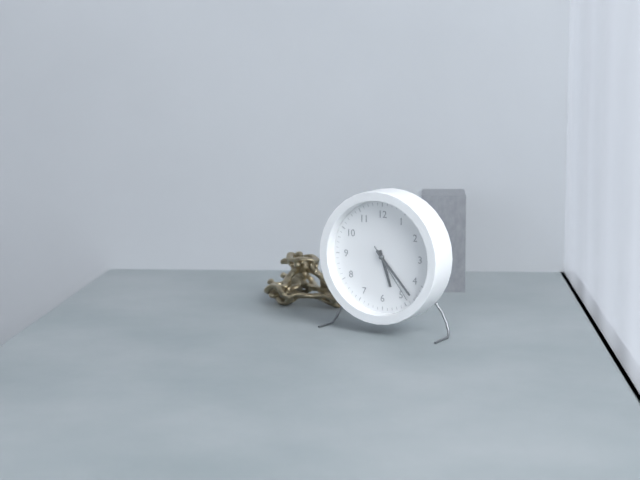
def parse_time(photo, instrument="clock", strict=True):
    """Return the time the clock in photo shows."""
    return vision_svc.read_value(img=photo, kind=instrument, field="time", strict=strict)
5:23:24
